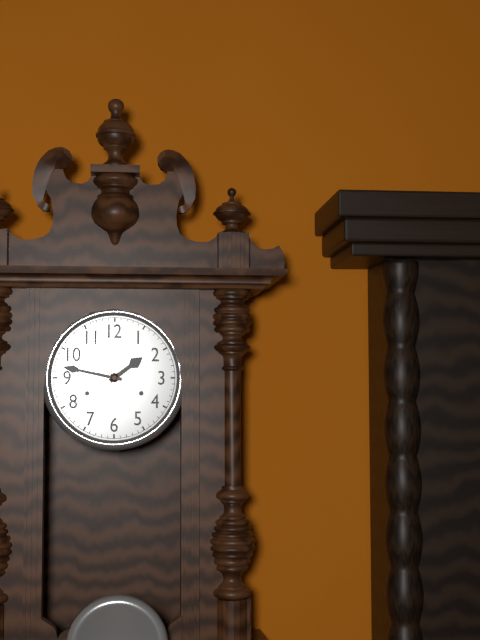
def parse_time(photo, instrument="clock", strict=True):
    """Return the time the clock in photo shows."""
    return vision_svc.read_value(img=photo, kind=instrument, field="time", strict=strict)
1:47
